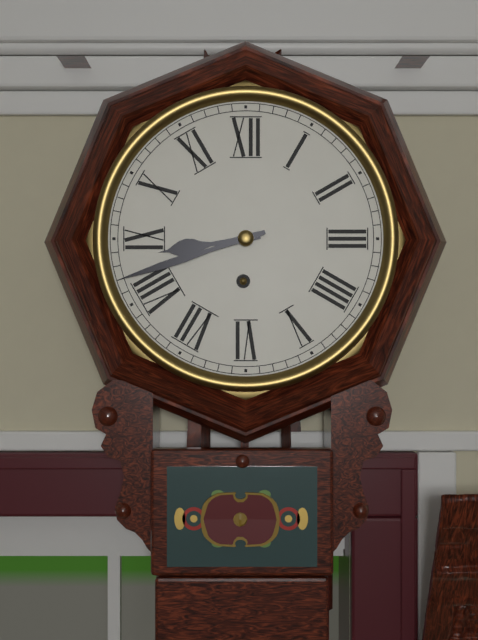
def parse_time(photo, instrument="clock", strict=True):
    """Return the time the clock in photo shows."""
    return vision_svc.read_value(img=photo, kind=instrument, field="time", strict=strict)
8:42
